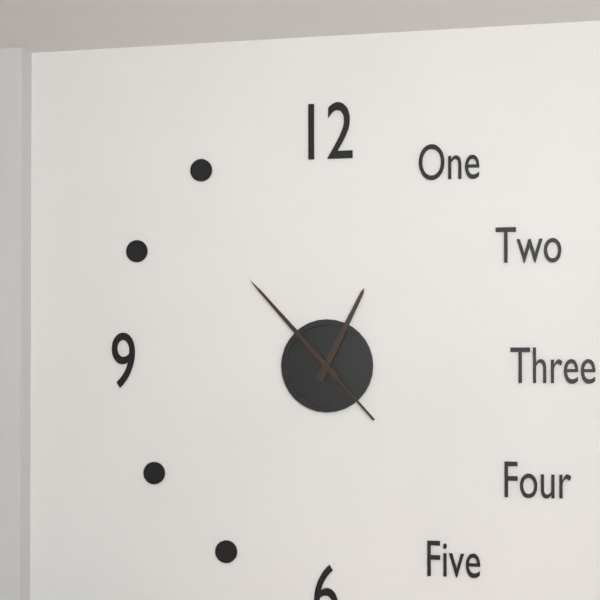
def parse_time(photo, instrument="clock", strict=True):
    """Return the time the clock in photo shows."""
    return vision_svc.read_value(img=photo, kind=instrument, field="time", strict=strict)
12:53:53
